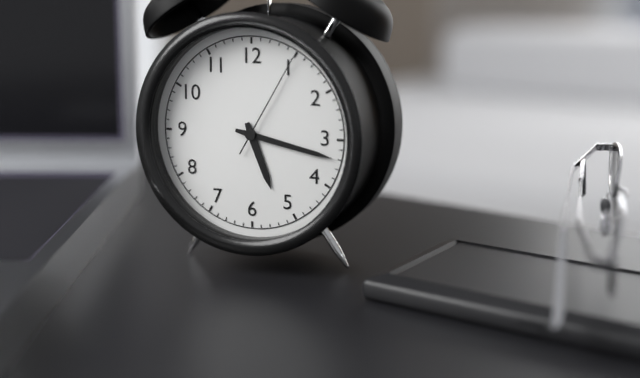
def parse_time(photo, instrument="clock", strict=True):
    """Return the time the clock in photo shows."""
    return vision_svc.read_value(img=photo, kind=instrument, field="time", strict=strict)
5:17:05
